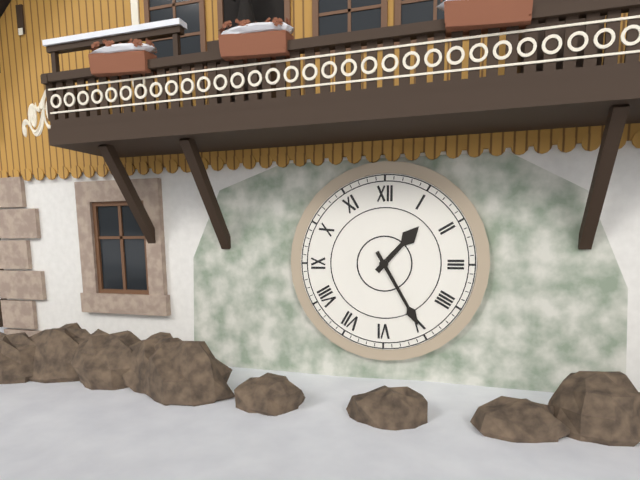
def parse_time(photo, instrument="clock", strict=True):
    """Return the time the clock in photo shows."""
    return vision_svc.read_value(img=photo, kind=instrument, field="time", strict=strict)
1:25
